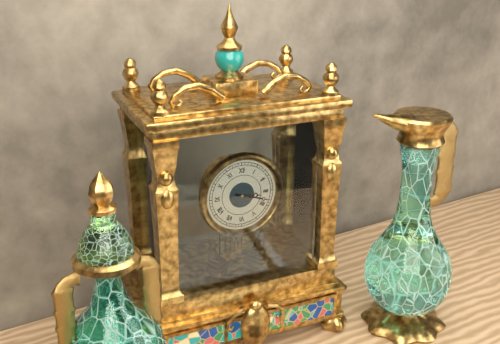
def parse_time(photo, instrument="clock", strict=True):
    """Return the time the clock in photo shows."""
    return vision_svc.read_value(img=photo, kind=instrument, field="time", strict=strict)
3:18
